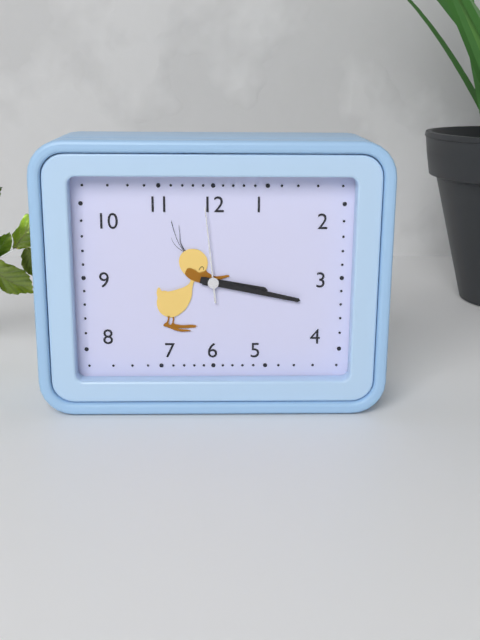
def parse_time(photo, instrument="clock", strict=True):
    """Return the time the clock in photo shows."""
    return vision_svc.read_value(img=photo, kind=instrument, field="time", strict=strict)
3:17:59
